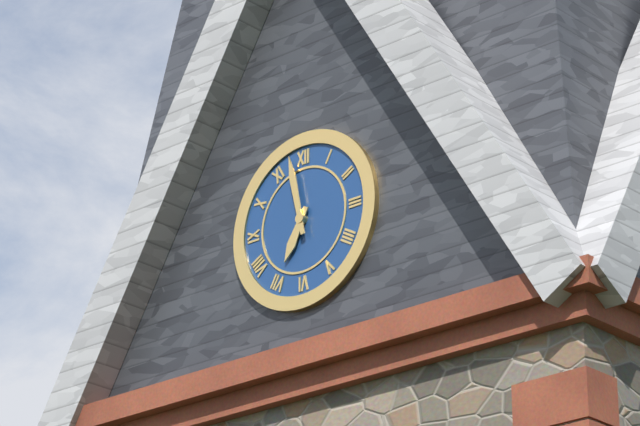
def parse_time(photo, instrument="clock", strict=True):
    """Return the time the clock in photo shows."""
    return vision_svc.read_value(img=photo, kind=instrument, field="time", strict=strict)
6:58
